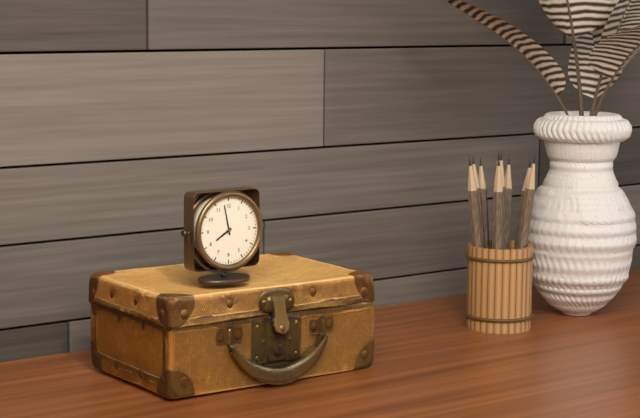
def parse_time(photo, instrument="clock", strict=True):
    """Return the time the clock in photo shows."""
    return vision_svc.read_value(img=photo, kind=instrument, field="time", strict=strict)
7:58
